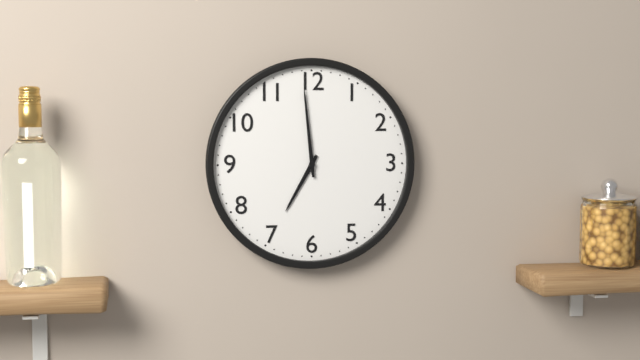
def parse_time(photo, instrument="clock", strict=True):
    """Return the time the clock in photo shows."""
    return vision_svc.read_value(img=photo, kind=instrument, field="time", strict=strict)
6:59
